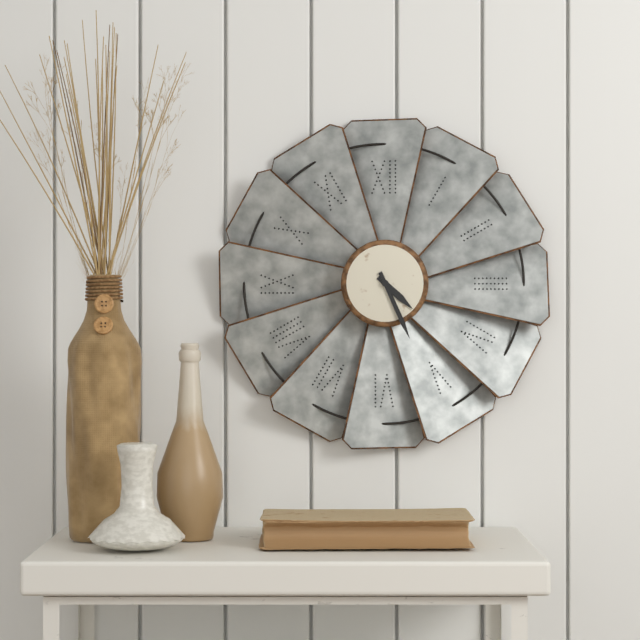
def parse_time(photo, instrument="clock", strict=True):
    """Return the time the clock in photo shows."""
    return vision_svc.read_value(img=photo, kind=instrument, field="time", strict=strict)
4:26
